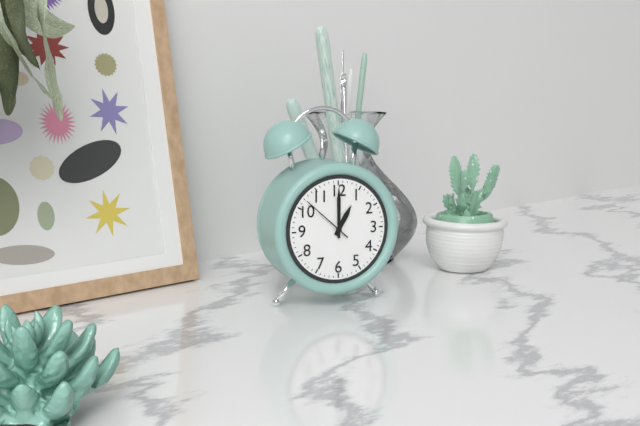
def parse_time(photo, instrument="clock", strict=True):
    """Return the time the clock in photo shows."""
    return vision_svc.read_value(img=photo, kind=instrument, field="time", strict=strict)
1:00:52
